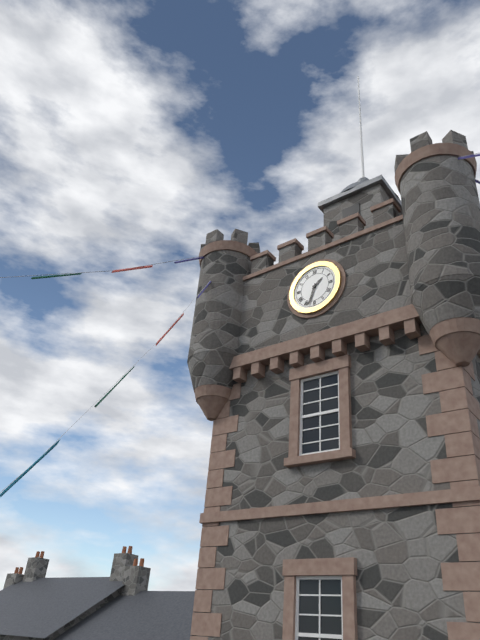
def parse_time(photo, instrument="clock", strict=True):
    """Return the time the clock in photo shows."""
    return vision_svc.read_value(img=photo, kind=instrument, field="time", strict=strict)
1:33
